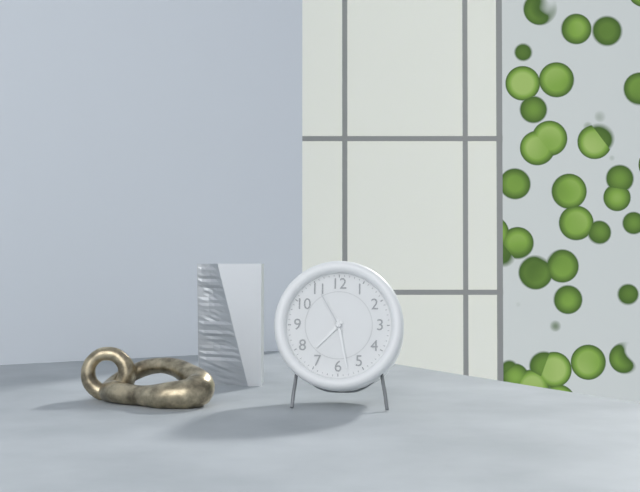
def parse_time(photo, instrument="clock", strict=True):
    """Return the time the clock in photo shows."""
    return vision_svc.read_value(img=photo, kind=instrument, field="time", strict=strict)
7:28
